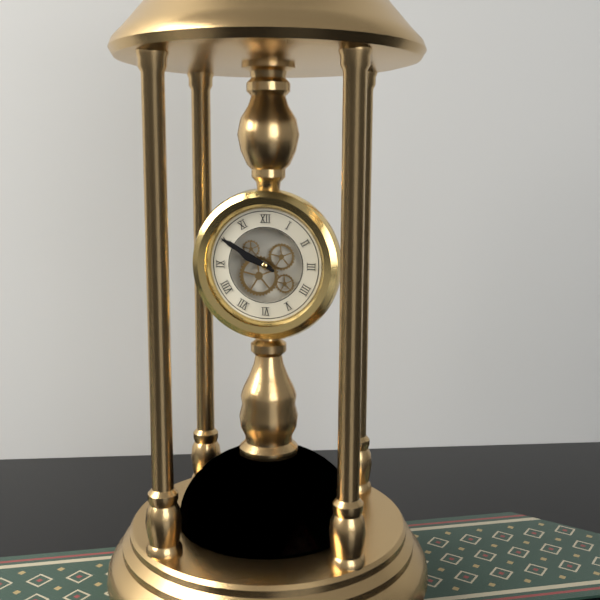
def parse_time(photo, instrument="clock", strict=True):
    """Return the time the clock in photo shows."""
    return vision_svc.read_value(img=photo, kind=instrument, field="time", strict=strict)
9:50
